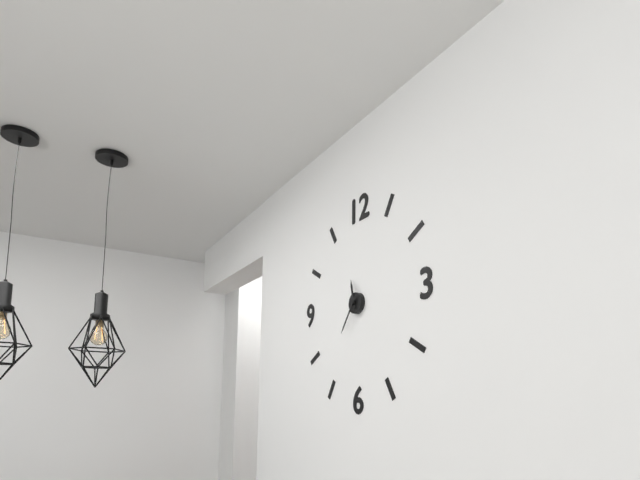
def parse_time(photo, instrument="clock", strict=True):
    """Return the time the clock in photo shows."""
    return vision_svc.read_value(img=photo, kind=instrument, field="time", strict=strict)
11:36
